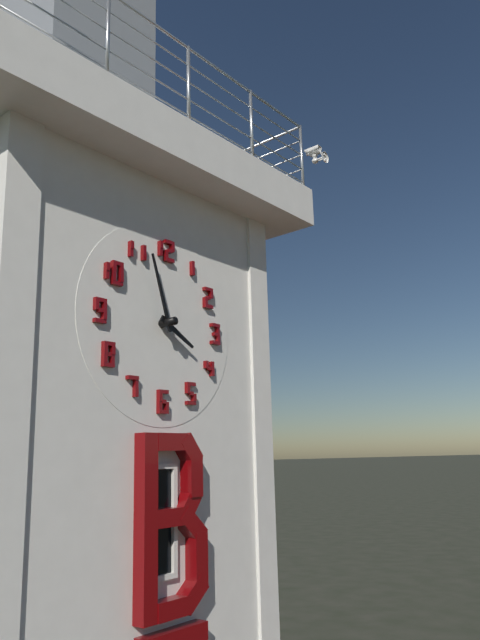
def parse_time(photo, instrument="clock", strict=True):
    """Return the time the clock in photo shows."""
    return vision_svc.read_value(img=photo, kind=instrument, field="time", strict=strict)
3:57
